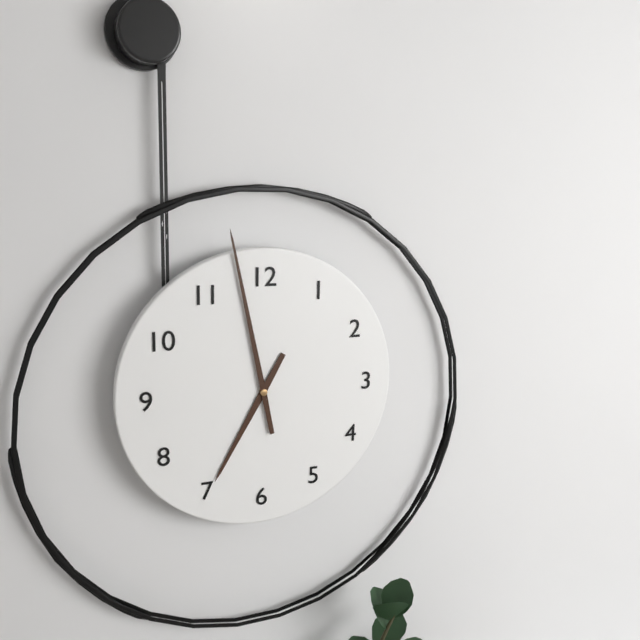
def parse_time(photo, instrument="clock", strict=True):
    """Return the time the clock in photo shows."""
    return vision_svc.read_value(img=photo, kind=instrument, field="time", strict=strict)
6:58
